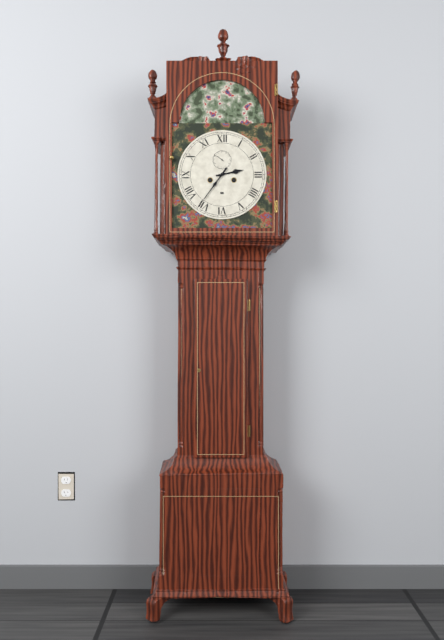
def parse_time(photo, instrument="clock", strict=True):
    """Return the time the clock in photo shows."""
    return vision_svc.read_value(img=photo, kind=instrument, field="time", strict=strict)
2:36
